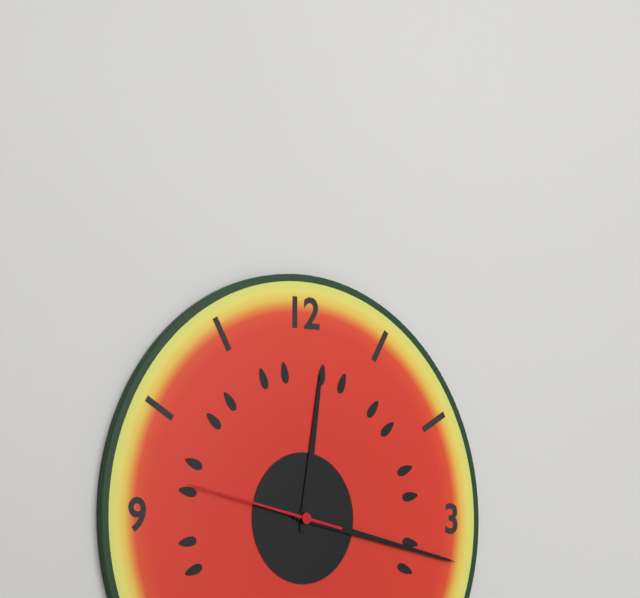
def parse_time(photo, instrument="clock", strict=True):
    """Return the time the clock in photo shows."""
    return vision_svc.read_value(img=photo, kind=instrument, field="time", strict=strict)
12:17:47
